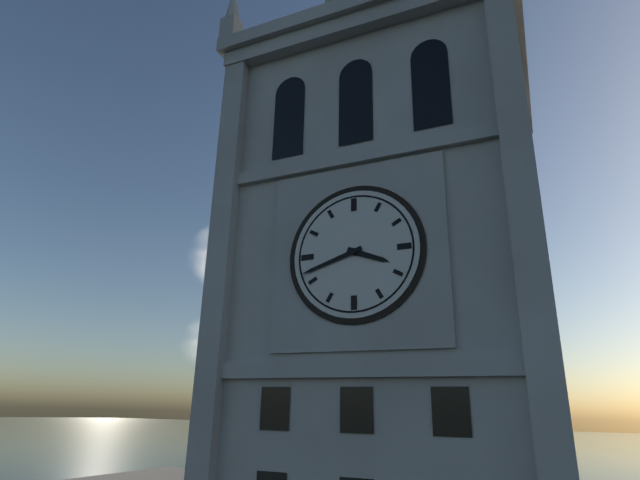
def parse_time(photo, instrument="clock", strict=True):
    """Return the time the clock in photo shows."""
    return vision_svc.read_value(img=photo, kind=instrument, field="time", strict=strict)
3:42
